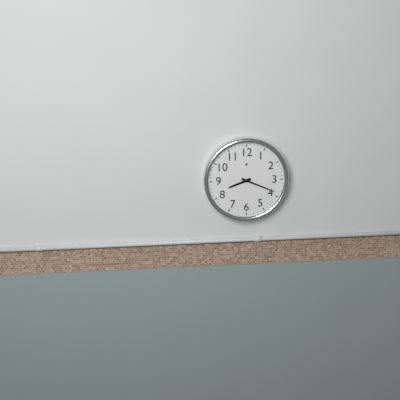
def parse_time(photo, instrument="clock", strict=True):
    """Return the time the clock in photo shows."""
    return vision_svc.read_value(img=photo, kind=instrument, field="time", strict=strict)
8:19
